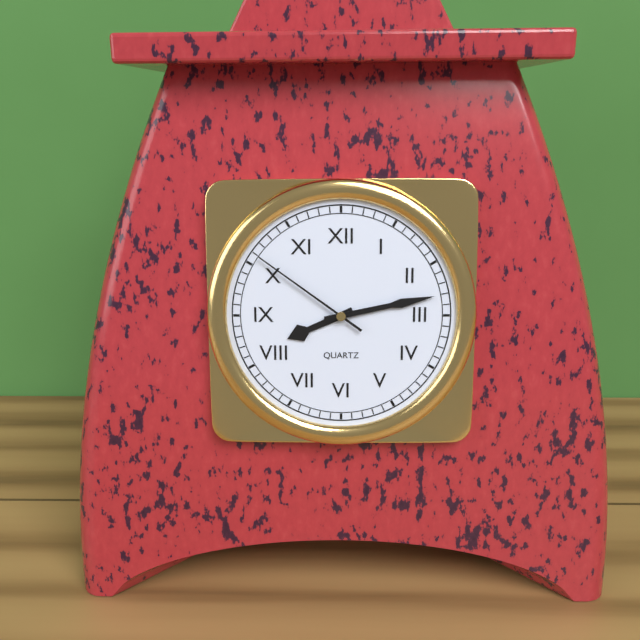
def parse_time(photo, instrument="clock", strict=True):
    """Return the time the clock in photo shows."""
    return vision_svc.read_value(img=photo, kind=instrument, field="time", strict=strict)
8:13:51
